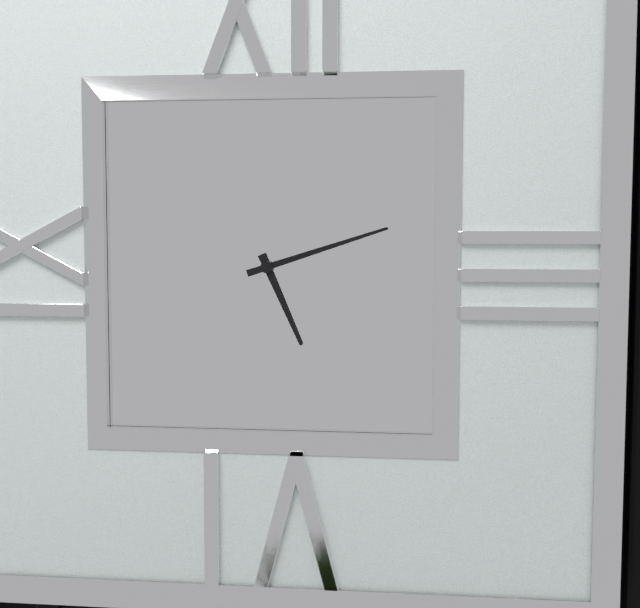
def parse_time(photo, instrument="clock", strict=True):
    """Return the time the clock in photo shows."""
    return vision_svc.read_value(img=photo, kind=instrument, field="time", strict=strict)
5:12
